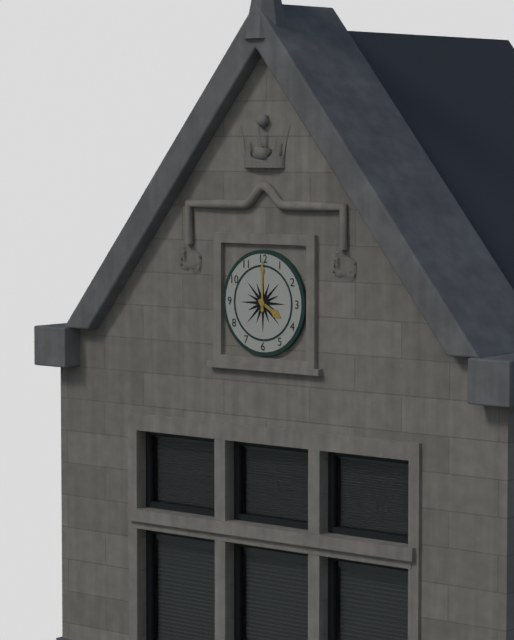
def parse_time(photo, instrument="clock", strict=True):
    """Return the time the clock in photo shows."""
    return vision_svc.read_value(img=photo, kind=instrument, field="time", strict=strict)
4:00
